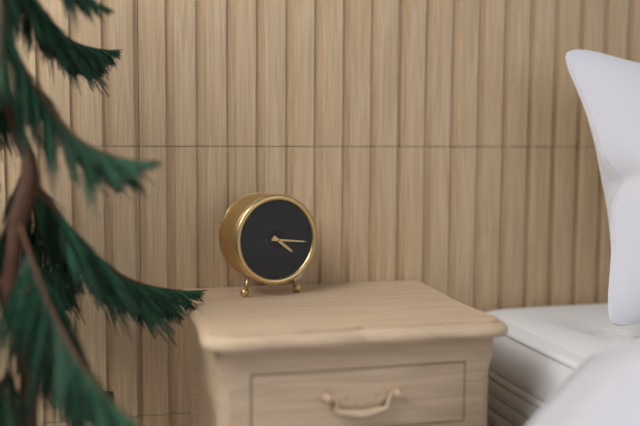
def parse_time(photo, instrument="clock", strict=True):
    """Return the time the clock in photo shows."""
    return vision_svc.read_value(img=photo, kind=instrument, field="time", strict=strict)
4:16
